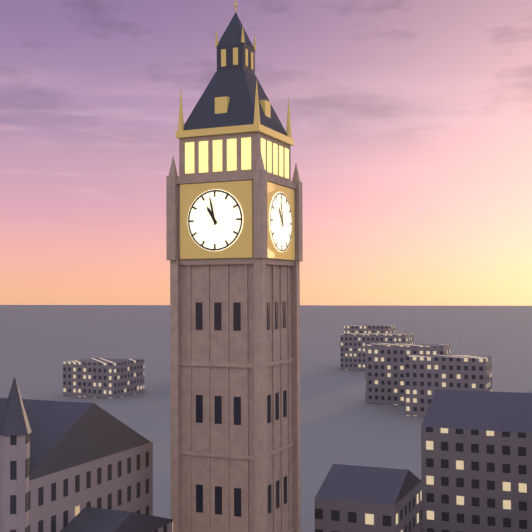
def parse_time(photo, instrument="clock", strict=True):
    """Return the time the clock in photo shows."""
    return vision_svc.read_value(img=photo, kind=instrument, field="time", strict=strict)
10:58
